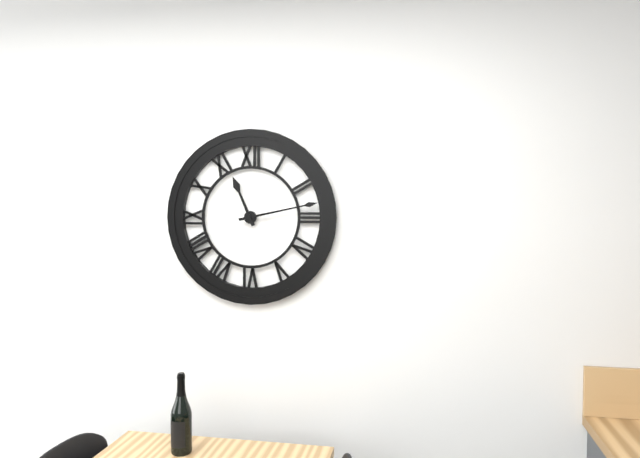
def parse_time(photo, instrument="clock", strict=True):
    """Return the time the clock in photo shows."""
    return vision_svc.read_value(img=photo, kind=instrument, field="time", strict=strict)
11:13
